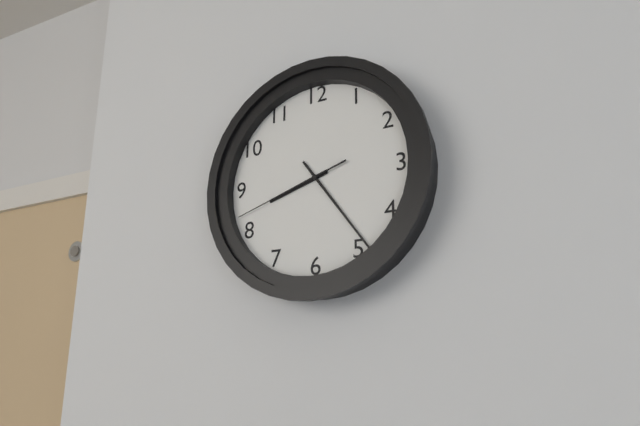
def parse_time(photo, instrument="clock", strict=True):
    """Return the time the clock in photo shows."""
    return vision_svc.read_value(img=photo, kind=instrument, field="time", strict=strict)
8:24:42
